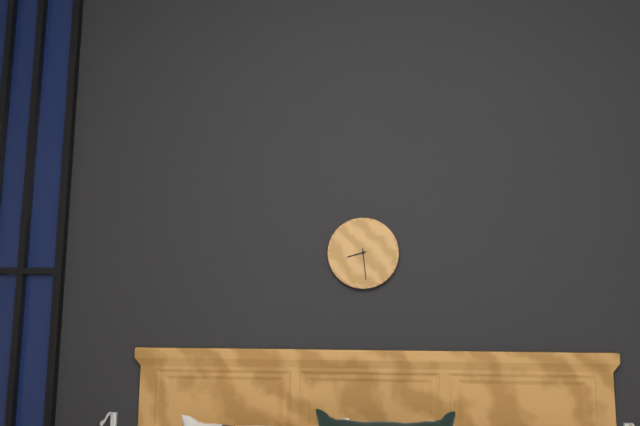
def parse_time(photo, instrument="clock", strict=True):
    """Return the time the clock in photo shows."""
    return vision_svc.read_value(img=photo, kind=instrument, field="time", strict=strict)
8:29
